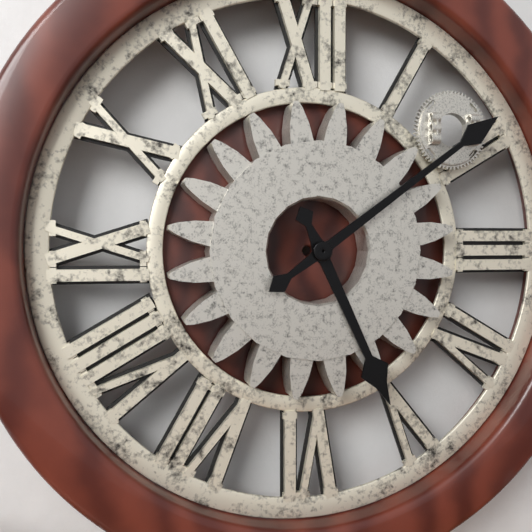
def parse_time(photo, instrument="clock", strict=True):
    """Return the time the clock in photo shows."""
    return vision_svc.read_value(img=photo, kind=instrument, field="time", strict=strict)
5:09
